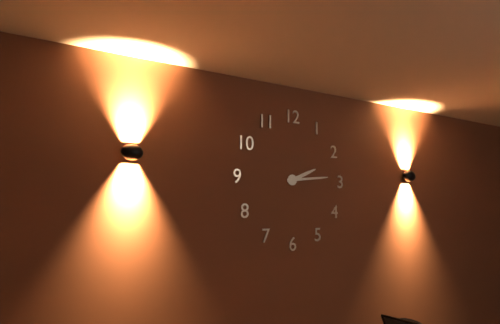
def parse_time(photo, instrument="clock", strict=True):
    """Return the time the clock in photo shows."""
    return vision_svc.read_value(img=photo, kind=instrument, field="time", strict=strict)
2:14
